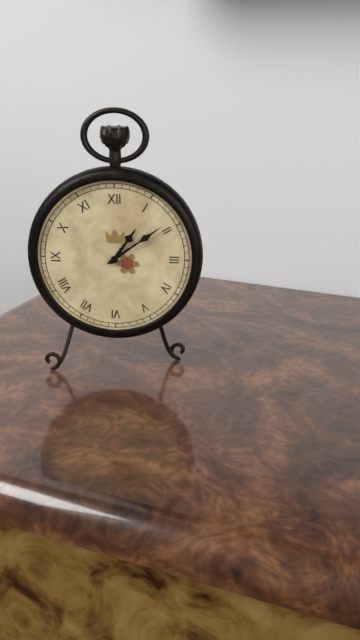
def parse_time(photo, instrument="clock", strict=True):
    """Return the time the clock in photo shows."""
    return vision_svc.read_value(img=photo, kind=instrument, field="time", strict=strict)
1:09
